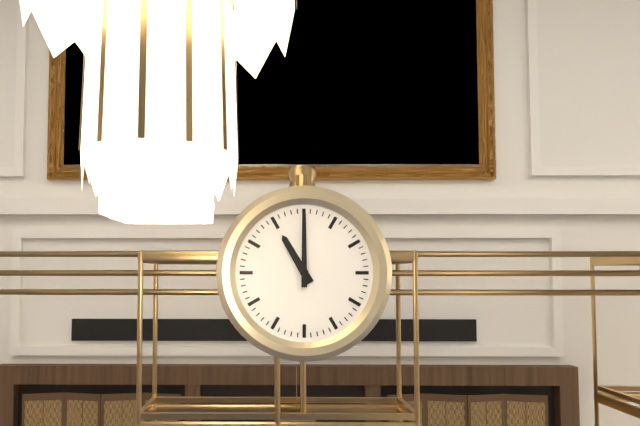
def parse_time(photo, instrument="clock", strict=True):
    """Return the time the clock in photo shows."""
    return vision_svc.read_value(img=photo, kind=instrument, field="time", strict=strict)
11:00
